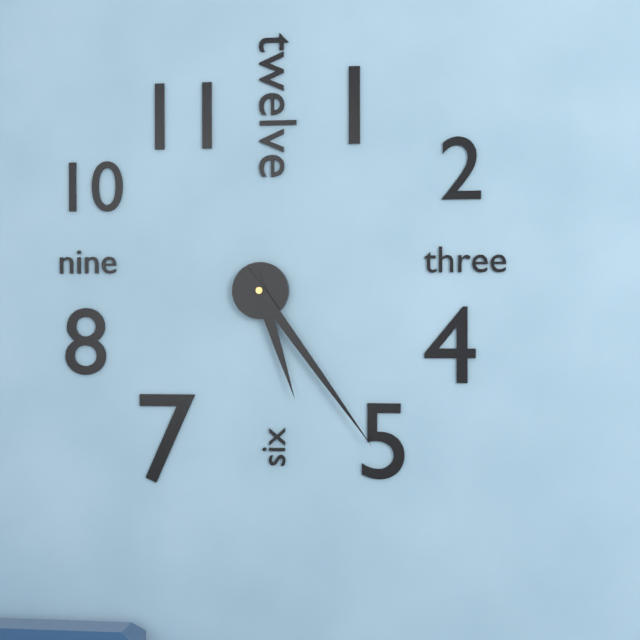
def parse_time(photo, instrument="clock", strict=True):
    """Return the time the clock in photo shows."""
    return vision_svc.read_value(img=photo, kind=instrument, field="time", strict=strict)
5:24
